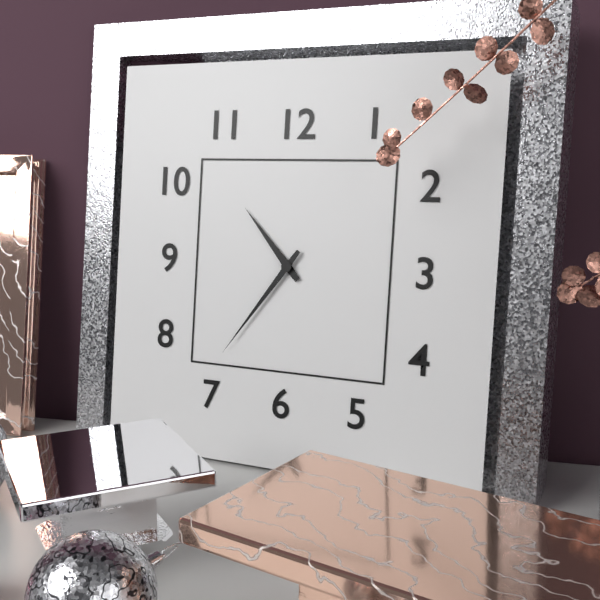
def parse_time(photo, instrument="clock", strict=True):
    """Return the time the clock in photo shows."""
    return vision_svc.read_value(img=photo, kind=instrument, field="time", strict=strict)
10:36
